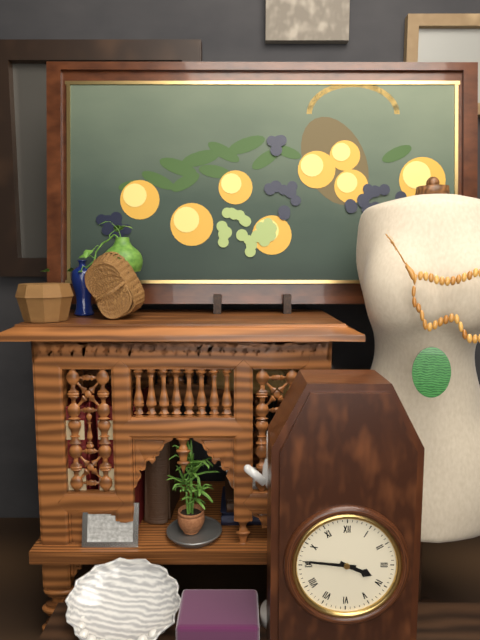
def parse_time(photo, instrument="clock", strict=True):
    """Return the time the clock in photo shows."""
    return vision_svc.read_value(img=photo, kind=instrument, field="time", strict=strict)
3:46
